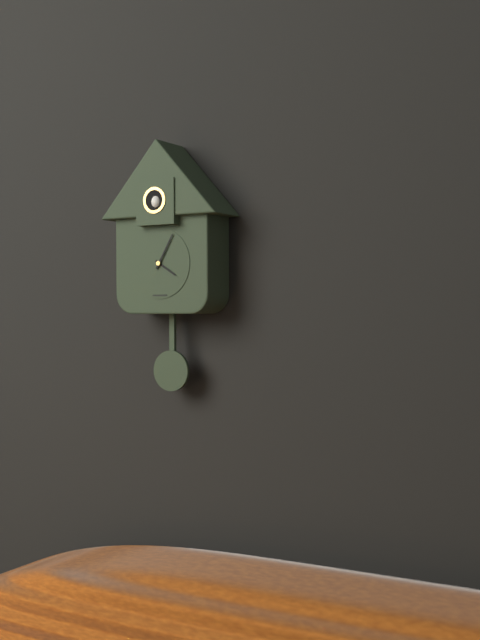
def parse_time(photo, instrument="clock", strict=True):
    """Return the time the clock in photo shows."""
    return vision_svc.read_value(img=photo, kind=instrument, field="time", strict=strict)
4:05
